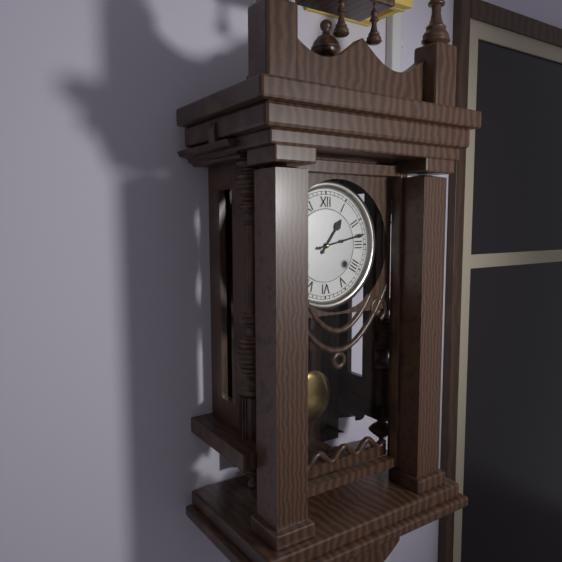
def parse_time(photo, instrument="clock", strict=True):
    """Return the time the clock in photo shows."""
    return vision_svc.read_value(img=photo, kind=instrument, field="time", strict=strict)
1:13
